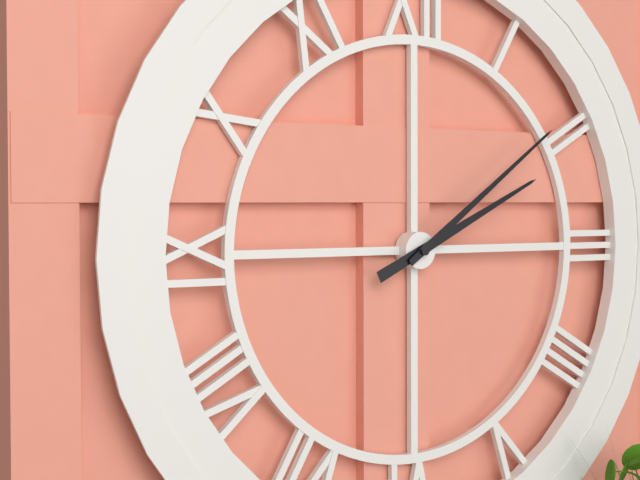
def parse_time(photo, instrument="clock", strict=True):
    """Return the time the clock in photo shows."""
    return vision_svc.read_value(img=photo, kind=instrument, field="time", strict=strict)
2:09
